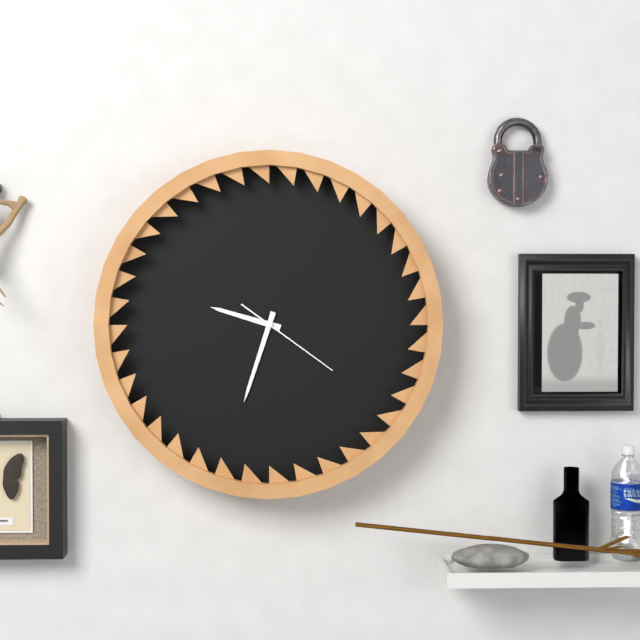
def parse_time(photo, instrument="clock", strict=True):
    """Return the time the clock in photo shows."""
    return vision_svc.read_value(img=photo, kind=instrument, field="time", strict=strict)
9:33:21
